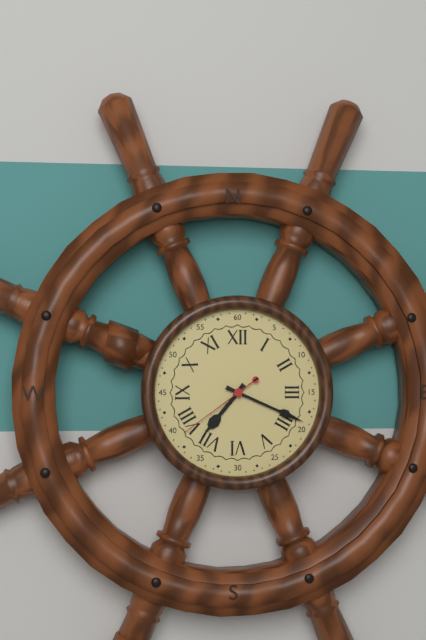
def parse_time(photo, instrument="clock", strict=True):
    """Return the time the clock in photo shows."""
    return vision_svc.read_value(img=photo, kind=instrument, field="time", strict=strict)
7:19:39
